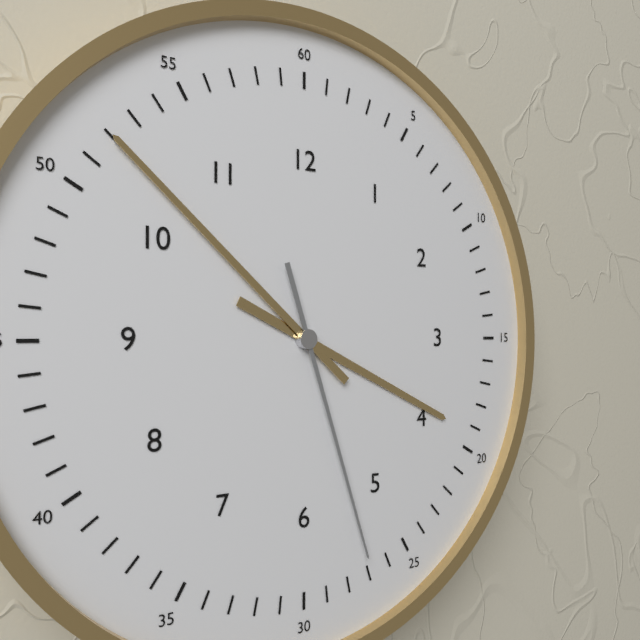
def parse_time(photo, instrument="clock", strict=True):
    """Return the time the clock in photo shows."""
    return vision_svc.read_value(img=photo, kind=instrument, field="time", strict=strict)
3:52:27
